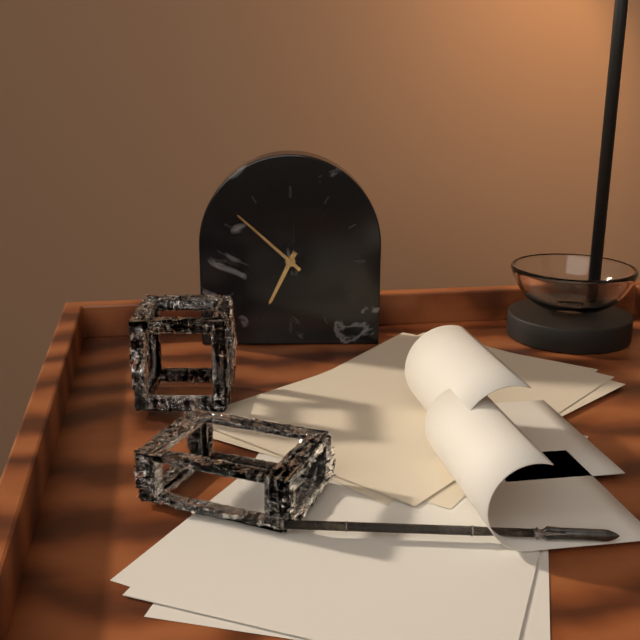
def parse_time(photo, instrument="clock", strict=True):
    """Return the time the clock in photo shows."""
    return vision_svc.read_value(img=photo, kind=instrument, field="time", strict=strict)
6:52
